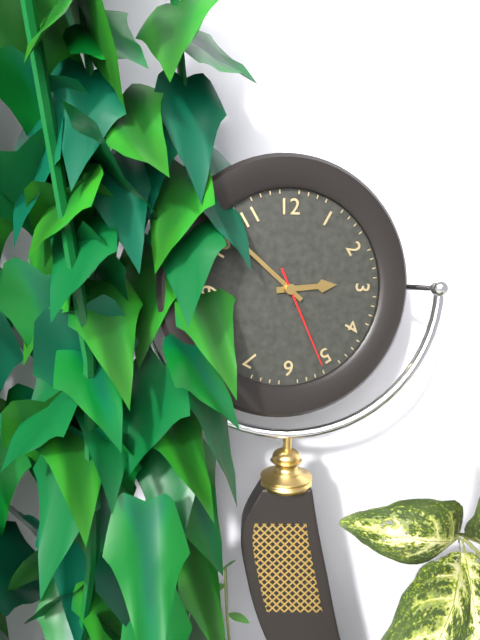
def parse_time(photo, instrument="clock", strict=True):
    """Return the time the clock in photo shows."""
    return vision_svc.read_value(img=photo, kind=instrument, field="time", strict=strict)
2:52:26
